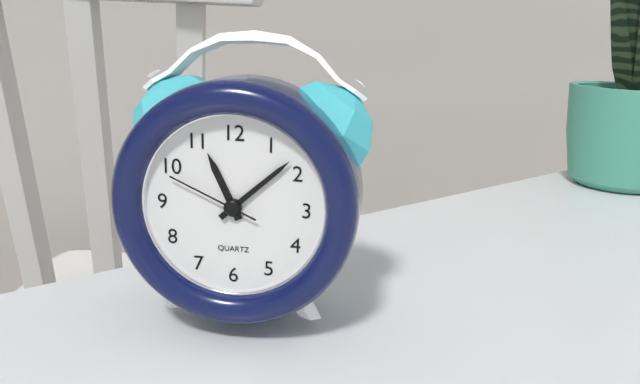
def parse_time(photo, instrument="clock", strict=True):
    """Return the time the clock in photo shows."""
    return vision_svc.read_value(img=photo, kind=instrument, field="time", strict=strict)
11:08:49
